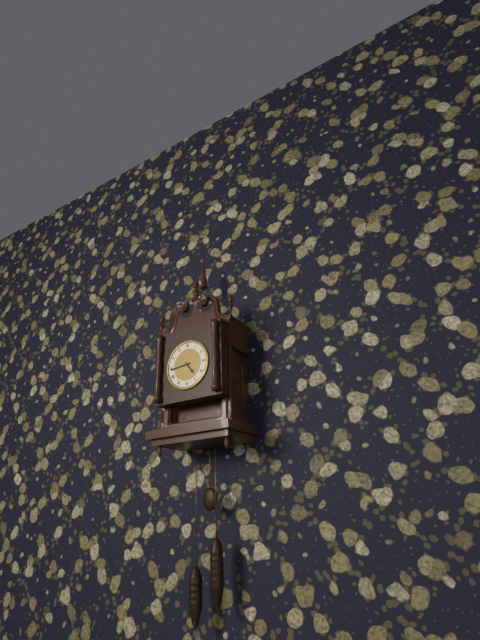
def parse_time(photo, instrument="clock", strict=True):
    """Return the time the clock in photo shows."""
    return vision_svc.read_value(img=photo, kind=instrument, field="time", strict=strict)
4:44
